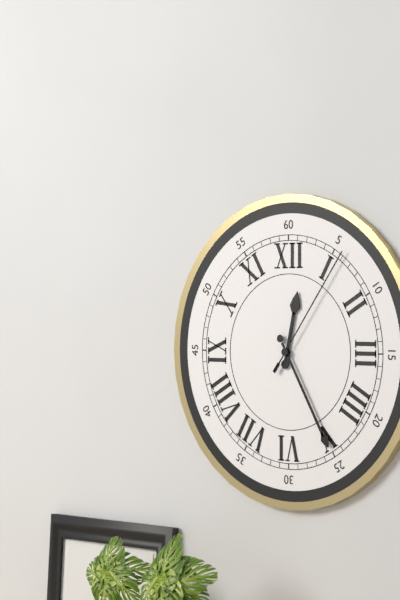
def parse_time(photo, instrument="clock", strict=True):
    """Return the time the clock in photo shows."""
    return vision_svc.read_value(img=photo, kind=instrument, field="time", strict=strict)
12:25:06
